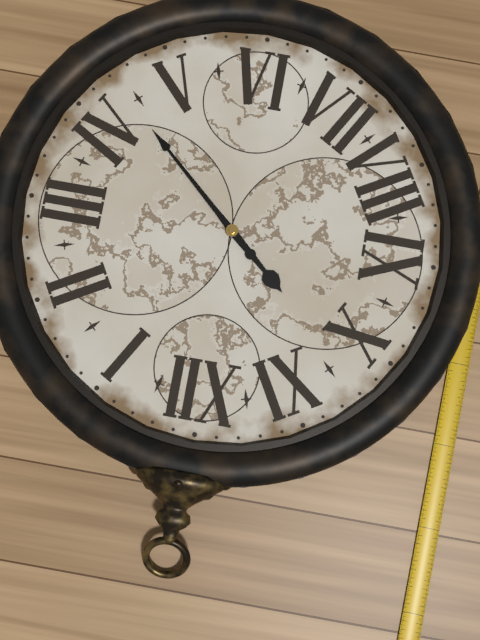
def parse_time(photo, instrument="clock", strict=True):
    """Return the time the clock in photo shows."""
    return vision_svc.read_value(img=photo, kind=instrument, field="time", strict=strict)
10:22
